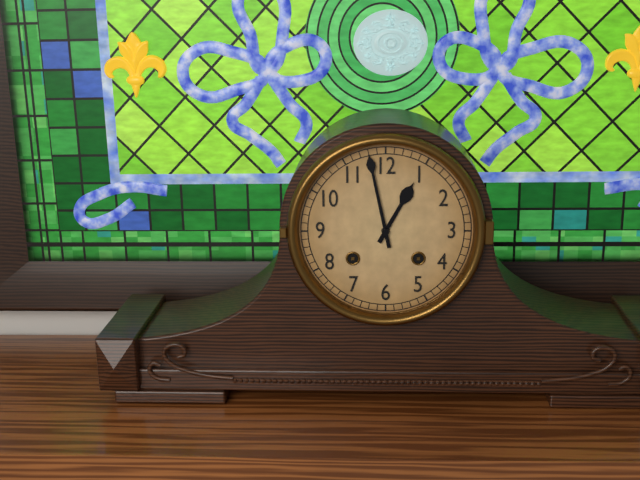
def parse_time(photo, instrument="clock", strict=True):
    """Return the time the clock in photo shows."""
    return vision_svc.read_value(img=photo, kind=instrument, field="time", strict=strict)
12:58
